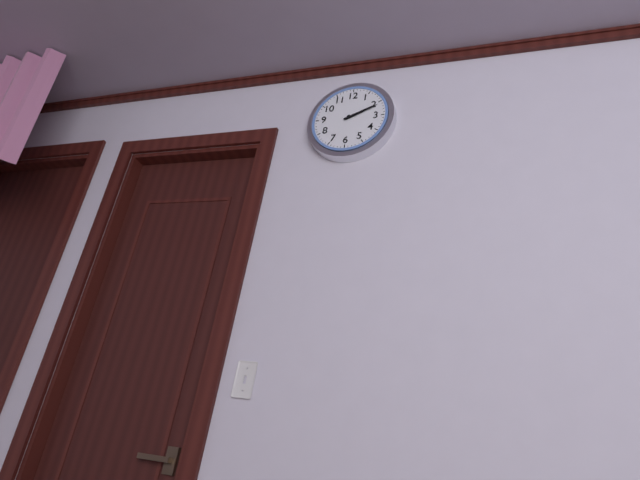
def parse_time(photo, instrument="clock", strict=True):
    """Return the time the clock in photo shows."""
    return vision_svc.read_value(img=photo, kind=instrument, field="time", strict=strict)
2:11
